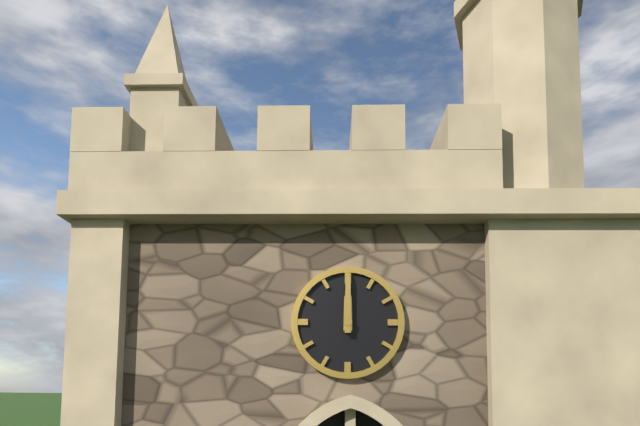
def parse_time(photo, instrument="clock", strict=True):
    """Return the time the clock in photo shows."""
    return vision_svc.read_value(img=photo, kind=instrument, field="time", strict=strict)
12:00
